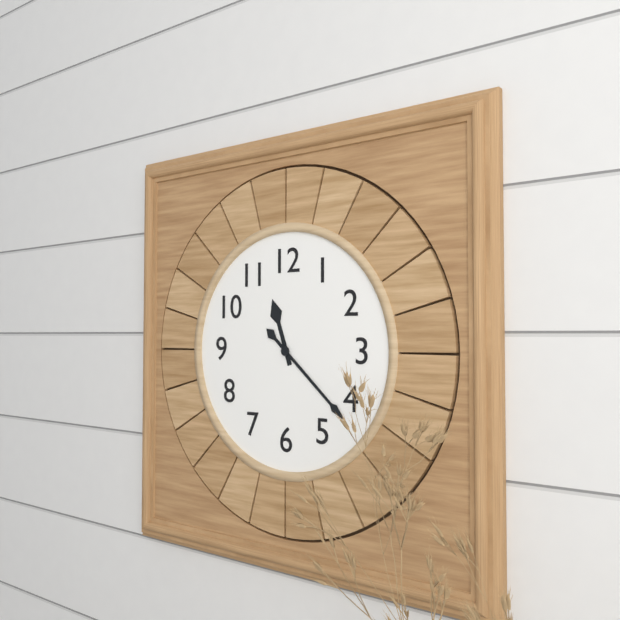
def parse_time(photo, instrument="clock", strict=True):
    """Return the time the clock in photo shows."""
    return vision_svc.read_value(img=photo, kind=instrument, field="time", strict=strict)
11:22
